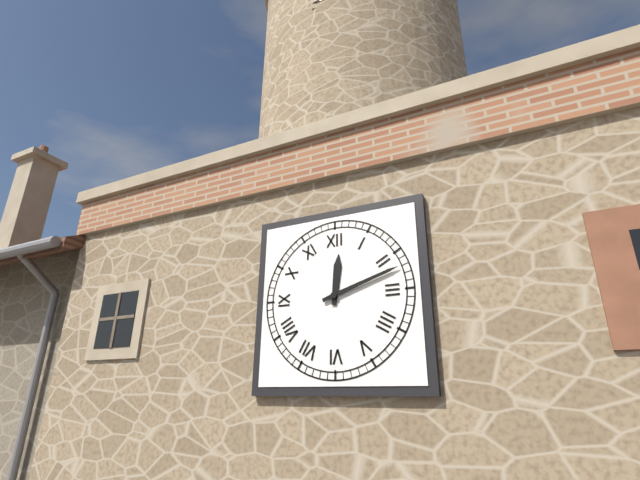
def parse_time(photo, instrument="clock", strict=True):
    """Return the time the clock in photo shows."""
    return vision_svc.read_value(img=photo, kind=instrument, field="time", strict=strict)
12:12
